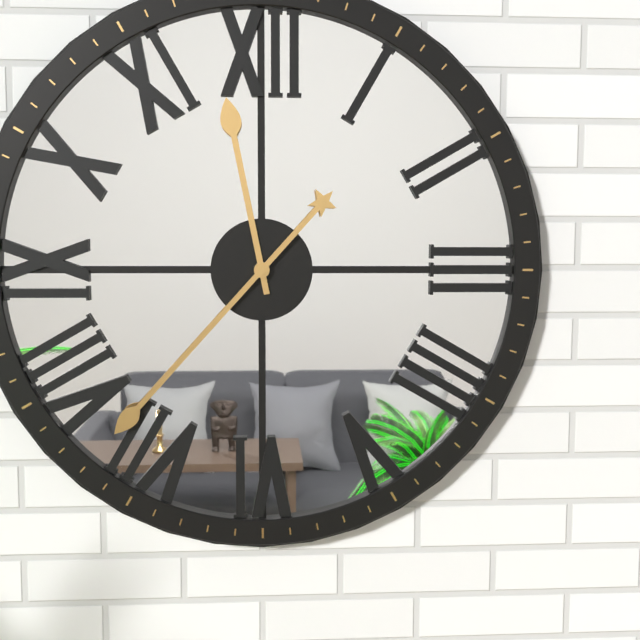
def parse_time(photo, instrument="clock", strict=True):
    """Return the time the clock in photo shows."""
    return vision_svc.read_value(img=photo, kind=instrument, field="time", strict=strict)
11:37
